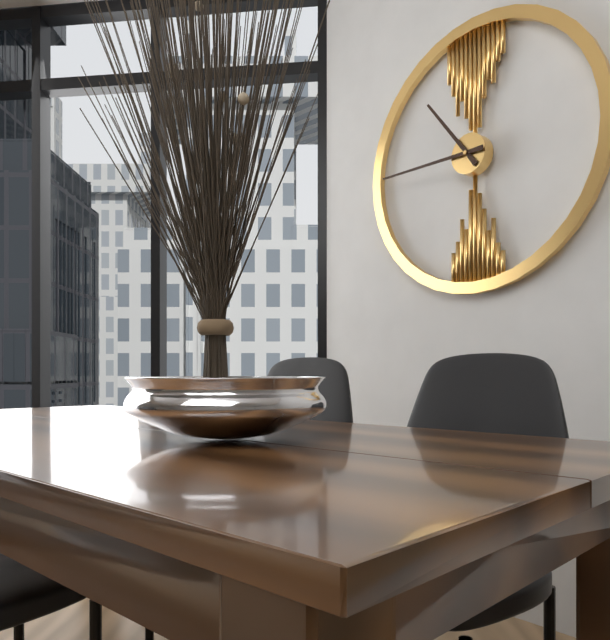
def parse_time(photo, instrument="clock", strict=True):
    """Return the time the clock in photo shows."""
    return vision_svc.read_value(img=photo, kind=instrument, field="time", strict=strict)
10:45
